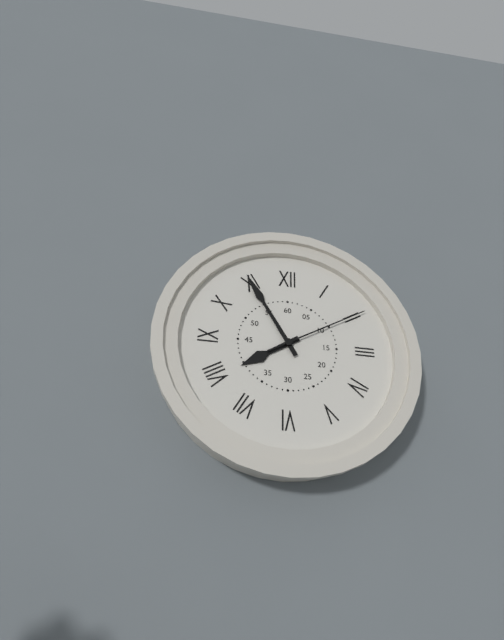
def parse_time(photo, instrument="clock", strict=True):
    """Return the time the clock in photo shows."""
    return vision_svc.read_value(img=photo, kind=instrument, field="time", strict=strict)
7:55:10
